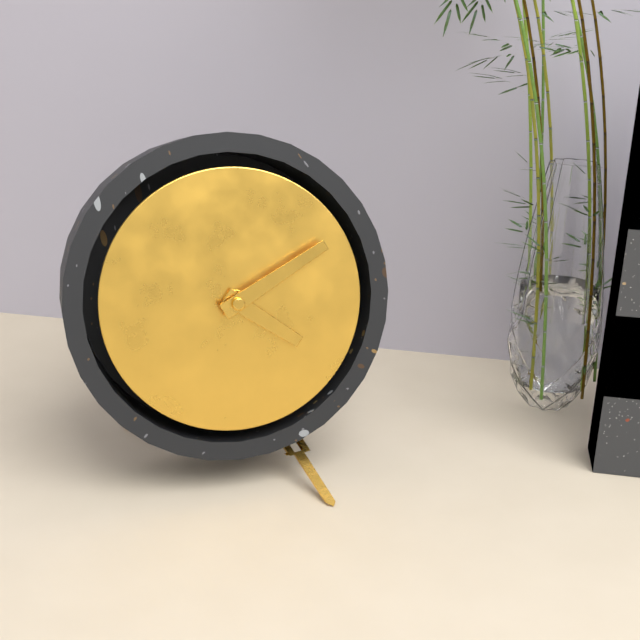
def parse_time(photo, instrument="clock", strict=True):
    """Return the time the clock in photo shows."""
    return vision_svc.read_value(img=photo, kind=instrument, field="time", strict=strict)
4:10
